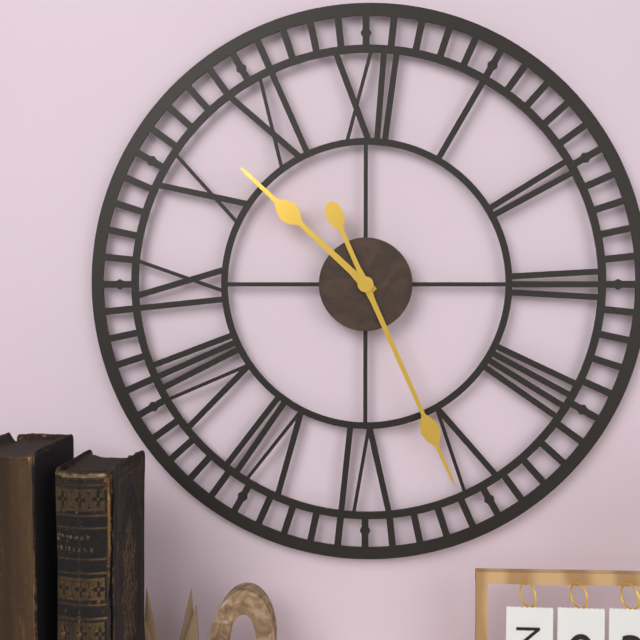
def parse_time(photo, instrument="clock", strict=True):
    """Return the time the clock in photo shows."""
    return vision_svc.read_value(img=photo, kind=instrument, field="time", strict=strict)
10:26
